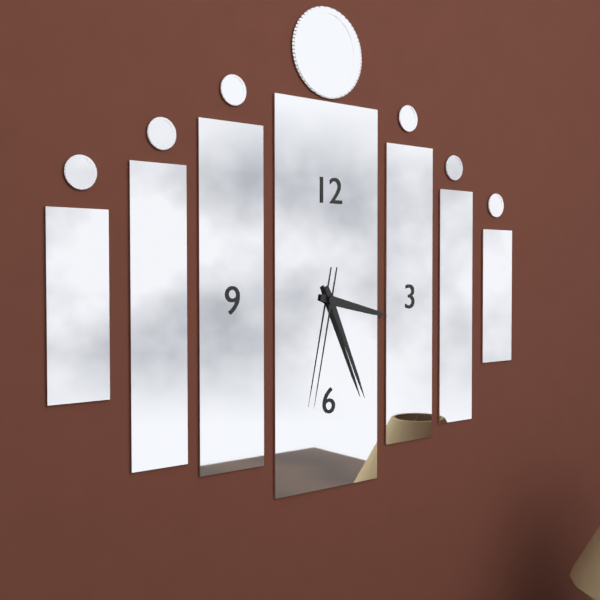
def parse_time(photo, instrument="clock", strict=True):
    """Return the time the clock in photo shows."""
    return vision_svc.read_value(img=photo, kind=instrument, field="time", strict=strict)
3:26:32
